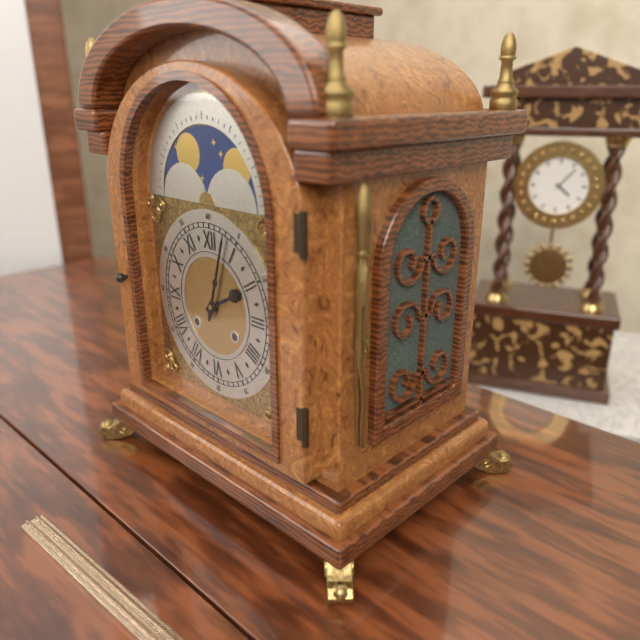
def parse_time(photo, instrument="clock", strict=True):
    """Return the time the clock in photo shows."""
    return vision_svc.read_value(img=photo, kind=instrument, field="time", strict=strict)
2:03
